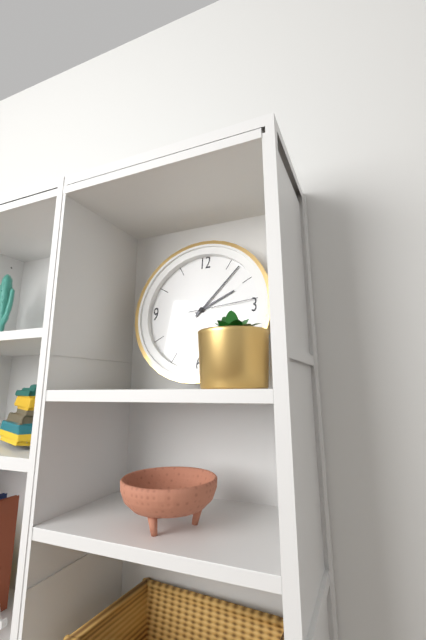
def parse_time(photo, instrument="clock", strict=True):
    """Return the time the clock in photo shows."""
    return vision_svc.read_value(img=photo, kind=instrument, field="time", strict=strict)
2:07:14
